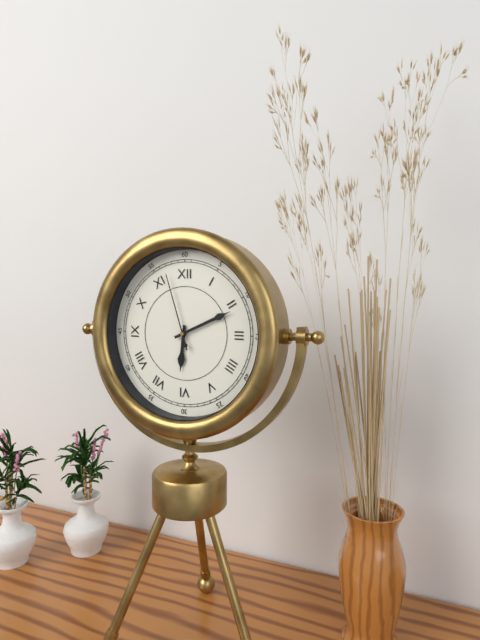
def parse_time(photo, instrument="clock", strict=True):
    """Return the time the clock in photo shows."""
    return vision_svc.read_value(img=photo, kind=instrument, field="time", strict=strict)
6:11:57
